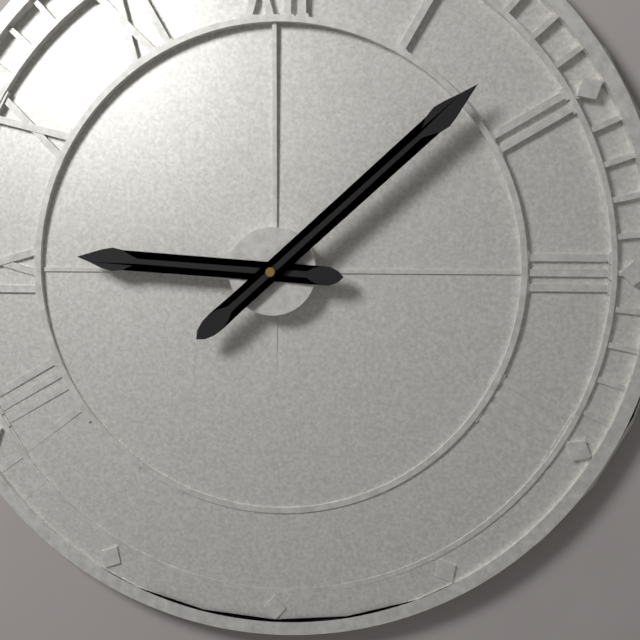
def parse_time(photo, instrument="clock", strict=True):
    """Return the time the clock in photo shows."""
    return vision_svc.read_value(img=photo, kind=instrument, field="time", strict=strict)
9:08
